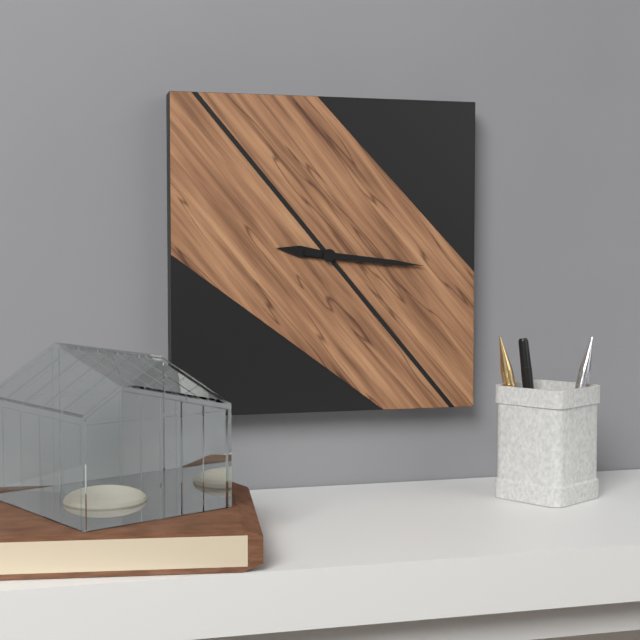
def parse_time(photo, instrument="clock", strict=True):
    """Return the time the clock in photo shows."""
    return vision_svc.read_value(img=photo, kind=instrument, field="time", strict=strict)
9:16
